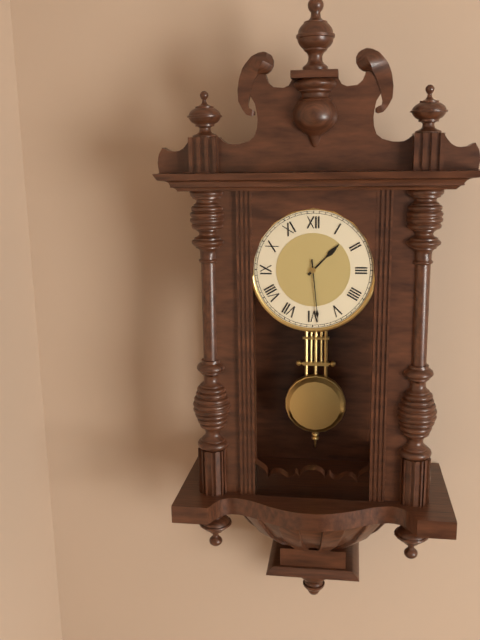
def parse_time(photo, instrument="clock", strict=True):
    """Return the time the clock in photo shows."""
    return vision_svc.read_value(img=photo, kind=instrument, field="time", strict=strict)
1:29
